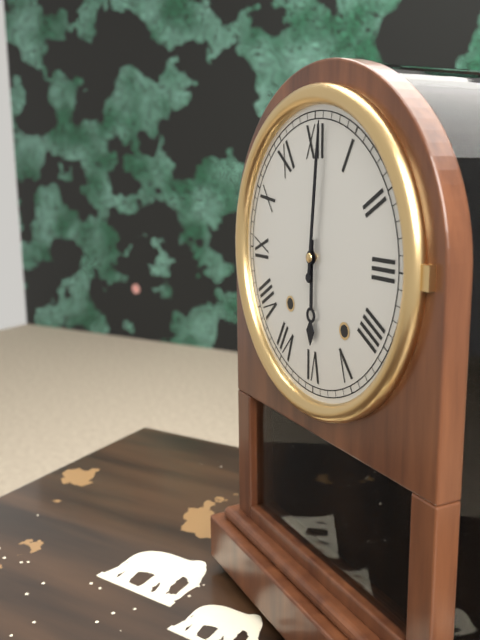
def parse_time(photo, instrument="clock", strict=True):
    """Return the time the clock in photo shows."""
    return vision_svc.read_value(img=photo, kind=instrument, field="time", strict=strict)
6:01
